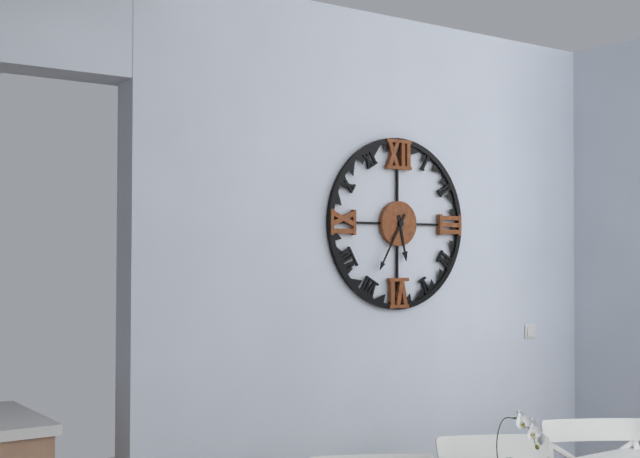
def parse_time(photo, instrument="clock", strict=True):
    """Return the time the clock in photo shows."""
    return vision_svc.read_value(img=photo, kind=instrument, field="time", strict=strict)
5:35
